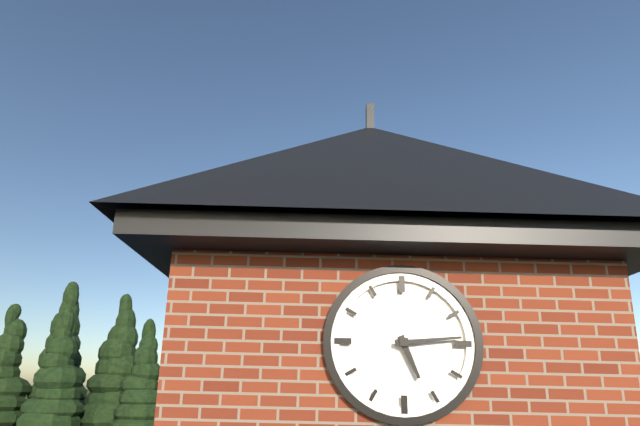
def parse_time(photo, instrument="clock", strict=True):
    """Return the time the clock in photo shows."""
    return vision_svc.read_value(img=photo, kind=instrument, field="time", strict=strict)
5:14
